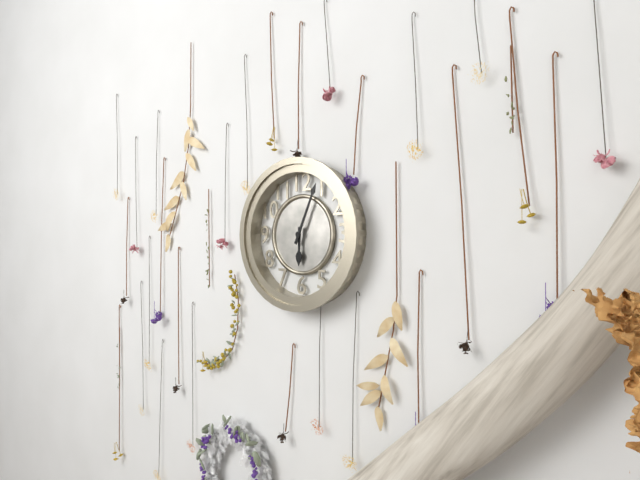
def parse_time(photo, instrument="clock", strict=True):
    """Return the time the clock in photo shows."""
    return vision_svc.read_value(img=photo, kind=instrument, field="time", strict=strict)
6:04
